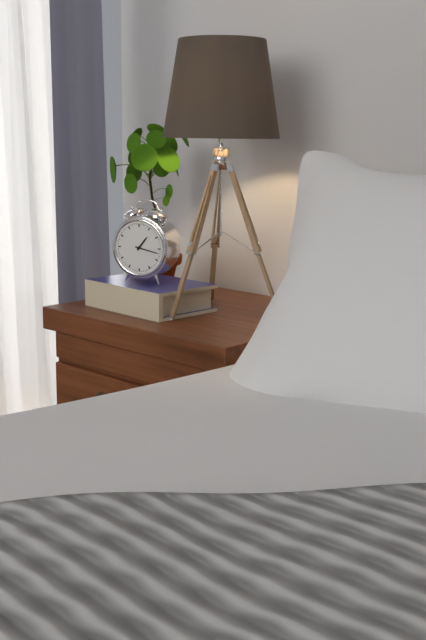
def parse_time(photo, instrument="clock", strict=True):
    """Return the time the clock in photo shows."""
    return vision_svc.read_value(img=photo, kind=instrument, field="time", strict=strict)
1:17
